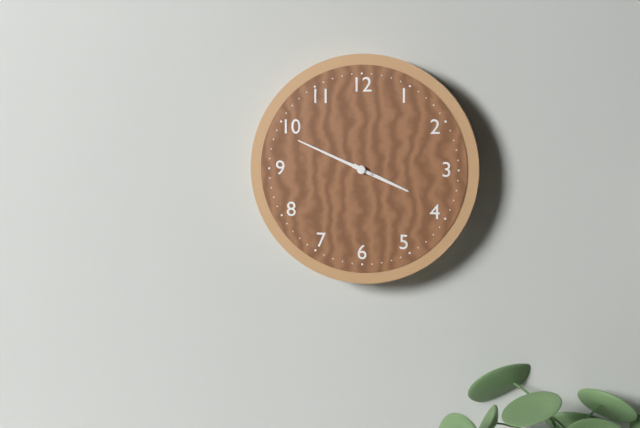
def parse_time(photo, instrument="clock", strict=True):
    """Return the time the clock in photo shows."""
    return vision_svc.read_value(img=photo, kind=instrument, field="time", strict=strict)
3:49
